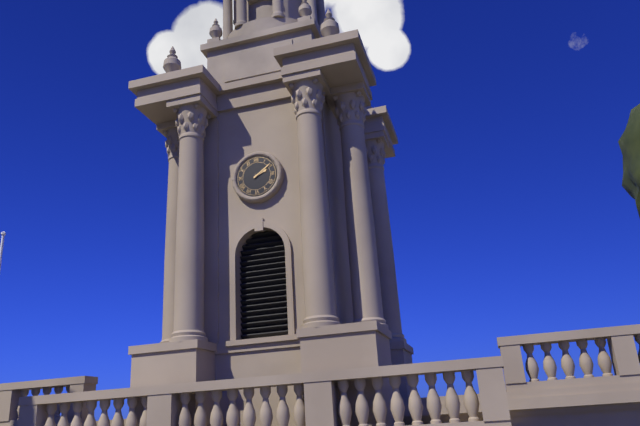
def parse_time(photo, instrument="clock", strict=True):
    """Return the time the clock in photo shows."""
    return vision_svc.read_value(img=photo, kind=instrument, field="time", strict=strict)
2:09
